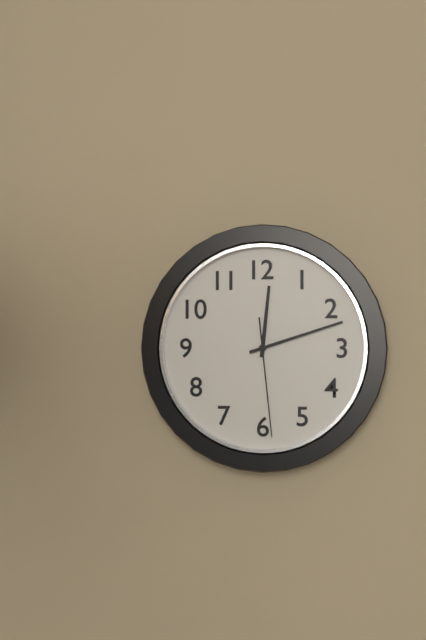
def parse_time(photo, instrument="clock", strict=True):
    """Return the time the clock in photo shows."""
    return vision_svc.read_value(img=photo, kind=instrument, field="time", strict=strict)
12:12:29
